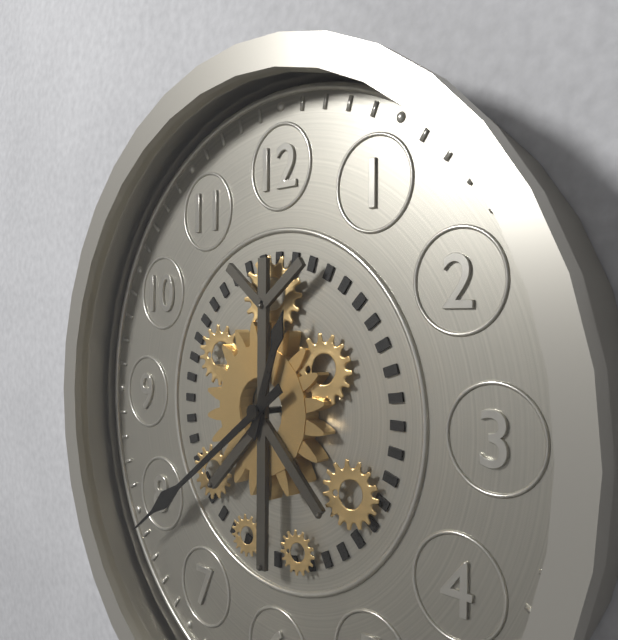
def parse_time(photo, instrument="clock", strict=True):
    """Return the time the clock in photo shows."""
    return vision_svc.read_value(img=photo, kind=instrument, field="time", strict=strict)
12:39
